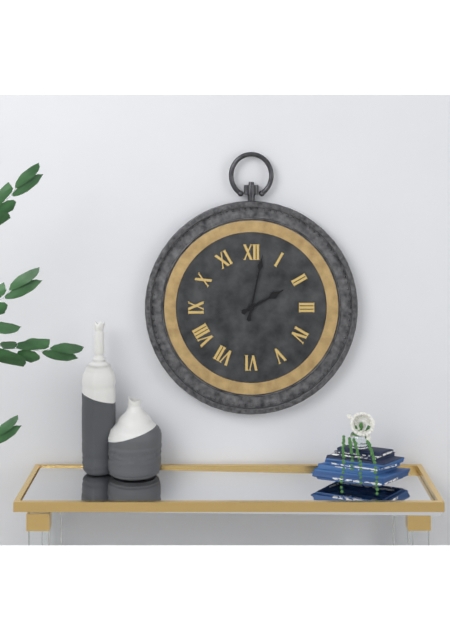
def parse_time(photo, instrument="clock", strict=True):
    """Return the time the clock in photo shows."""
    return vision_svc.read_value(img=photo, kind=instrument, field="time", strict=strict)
2:02
